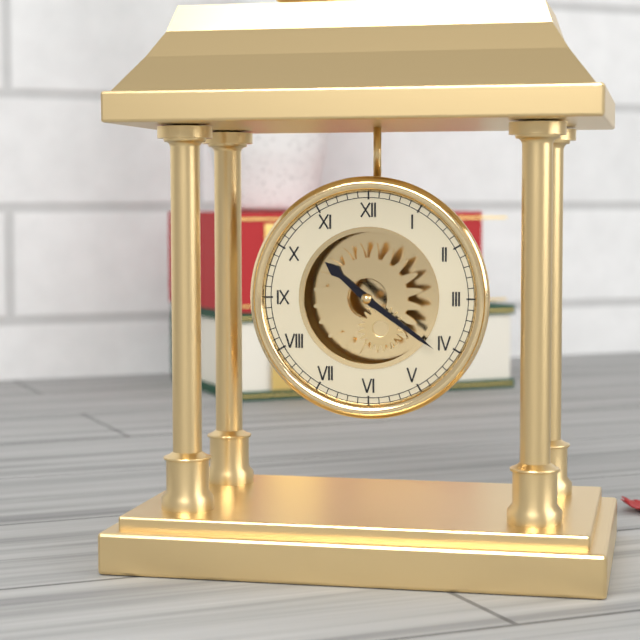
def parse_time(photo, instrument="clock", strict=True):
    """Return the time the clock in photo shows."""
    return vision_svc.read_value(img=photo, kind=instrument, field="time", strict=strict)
10:21
